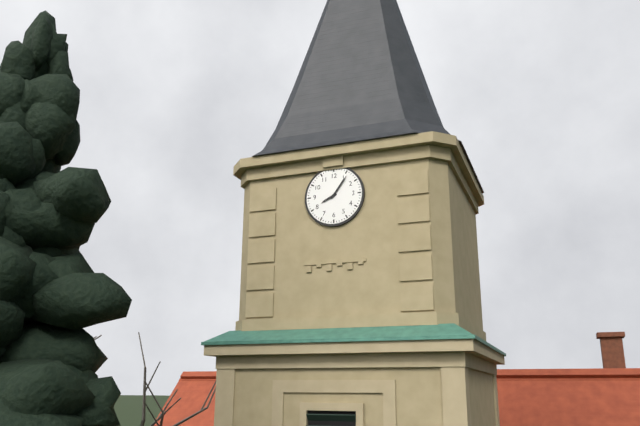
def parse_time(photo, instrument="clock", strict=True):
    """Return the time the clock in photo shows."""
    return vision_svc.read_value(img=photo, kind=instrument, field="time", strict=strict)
8:06
